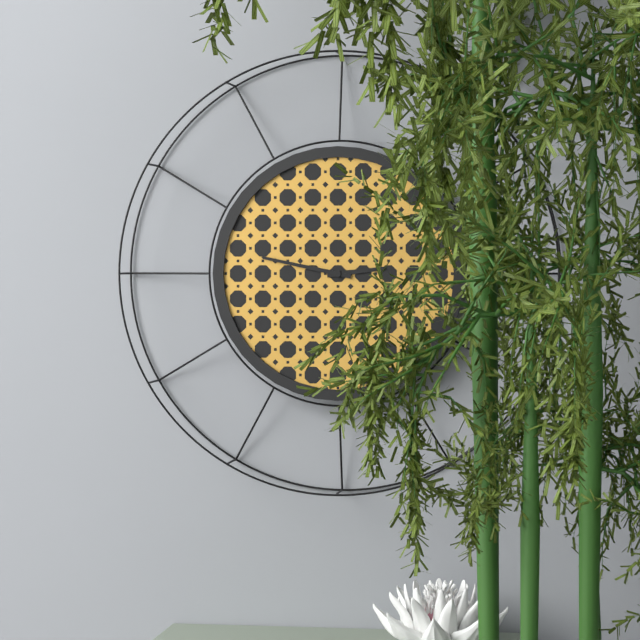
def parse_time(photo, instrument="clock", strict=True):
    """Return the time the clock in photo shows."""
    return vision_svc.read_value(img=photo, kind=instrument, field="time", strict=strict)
2:47
